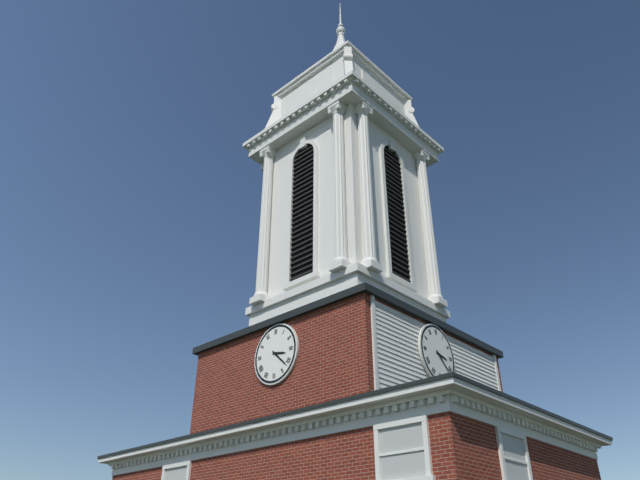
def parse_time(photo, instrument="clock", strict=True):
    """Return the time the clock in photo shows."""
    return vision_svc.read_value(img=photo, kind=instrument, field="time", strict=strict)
3:22
